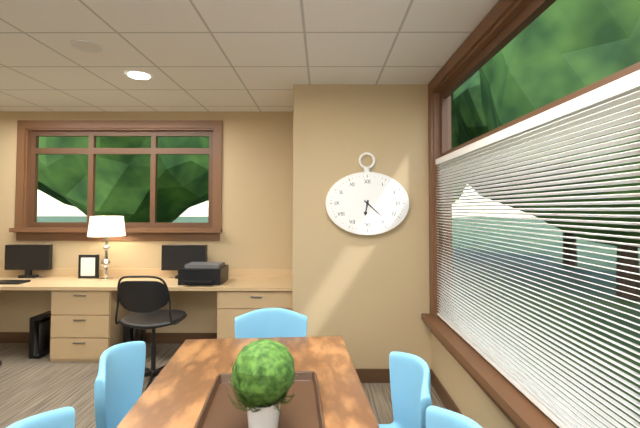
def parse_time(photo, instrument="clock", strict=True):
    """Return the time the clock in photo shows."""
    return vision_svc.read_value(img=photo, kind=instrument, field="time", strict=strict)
6:22
